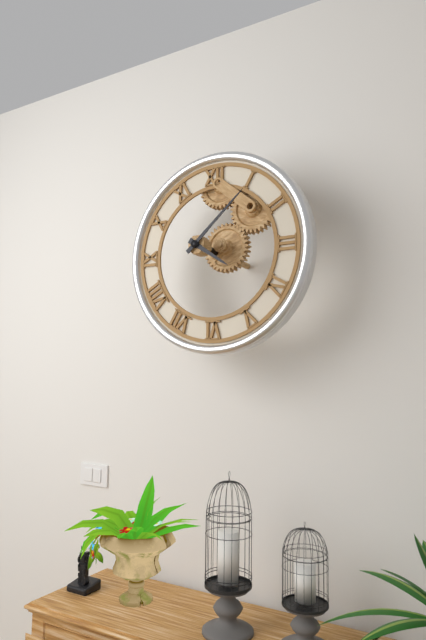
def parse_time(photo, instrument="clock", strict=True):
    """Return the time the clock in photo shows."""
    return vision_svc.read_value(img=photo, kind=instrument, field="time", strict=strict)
4:08
